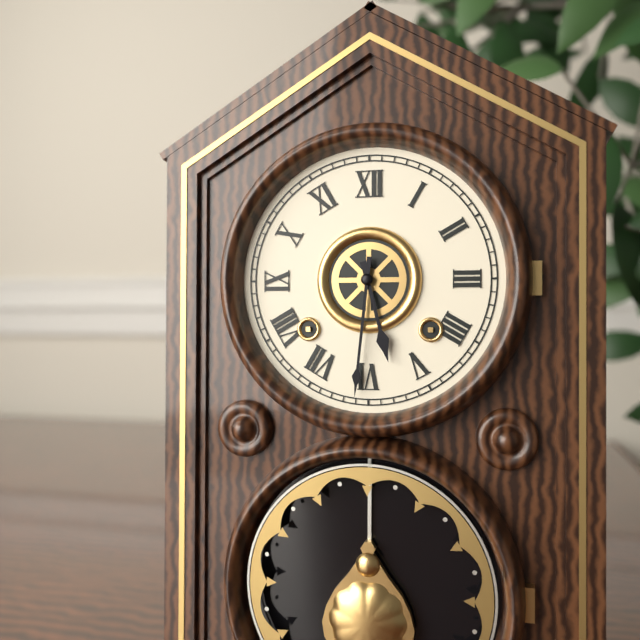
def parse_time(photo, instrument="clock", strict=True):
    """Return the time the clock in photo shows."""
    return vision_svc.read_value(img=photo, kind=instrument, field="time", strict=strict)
5:31
